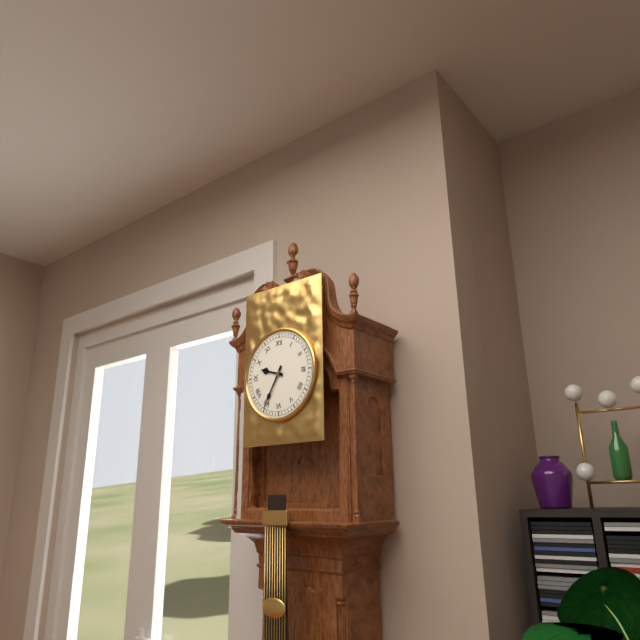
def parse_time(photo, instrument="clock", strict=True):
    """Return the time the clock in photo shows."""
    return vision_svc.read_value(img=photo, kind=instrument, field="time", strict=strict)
9:35
